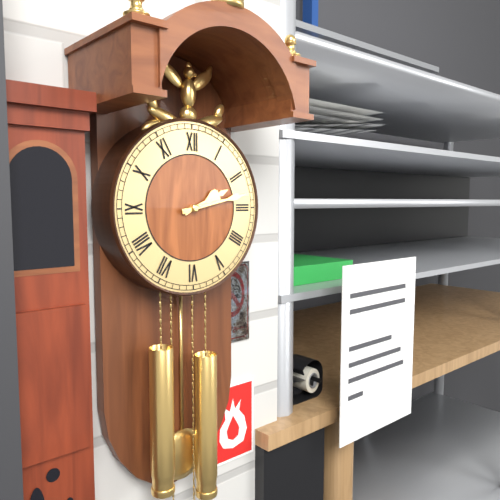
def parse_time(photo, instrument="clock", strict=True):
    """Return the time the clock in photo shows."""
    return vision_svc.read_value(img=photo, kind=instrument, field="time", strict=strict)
2:13
